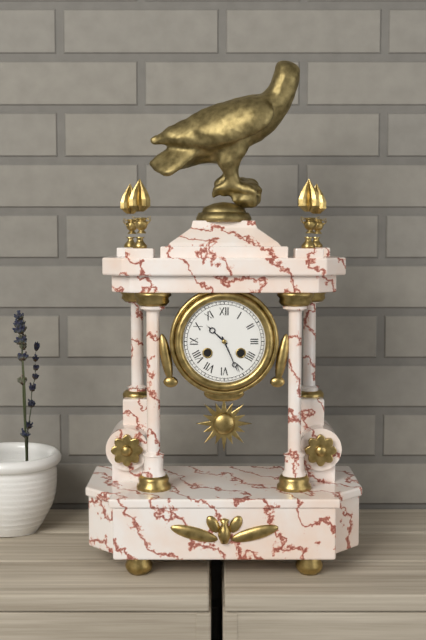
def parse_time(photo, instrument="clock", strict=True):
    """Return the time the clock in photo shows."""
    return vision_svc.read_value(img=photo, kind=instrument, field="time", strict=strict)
10:26
